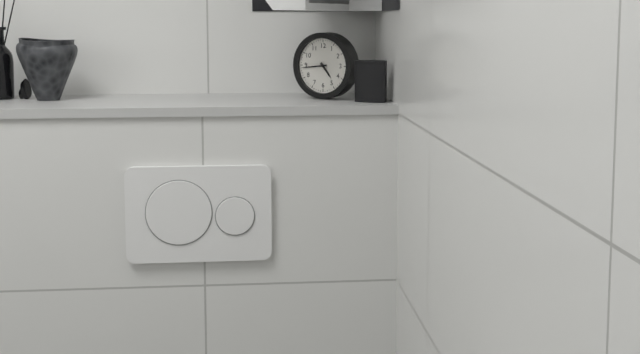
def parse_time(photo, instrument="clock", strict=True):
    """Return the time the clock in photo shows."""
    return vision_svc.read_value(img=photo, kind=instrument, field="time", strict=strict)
4:44
